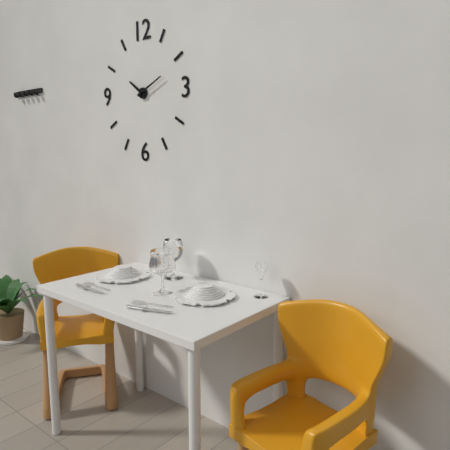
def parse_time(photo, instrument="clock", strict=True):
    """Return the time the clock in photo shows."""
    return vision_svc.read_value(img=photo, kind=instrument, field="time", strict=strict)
10:11
